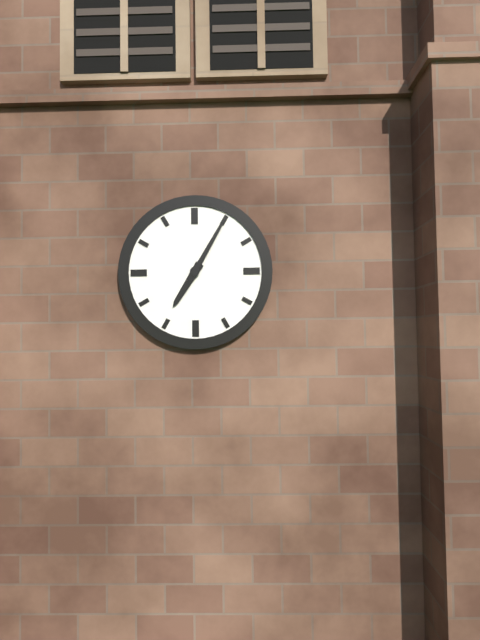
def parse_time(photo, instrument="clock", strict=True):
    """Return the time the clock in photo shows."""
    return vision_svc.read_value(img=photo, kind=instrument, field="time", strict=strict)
7:05
